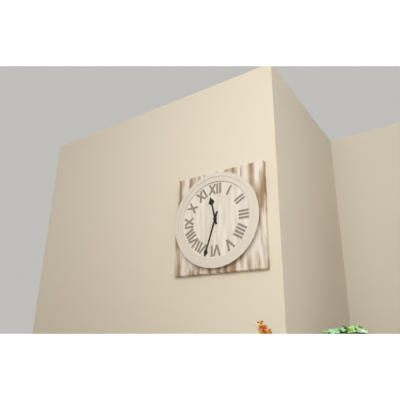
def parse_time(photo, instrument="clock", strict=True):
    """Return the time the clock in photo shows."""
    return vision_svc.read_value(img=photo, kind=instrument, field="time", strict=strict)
11:33
